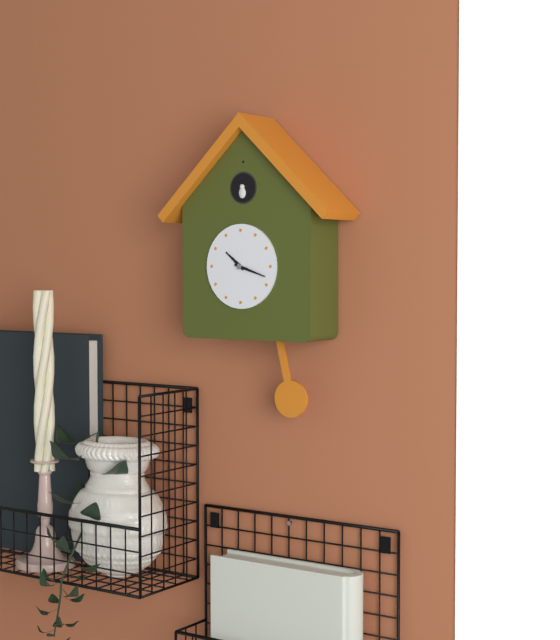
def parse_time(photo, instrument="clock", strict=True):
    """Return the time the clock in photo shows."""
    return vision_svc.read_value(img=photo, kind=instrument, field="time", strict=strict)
10:18
